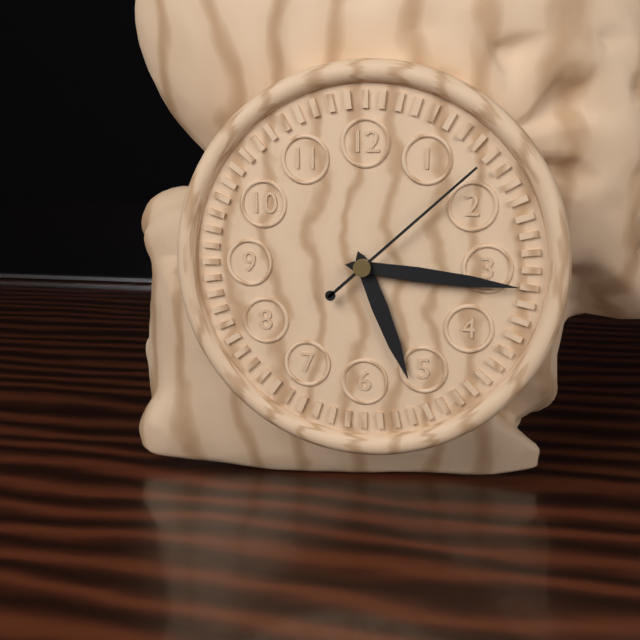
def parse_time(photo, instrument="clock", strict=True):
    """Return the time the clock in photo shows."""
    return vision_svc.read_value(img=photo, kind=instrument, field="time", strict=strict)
5:16:08
